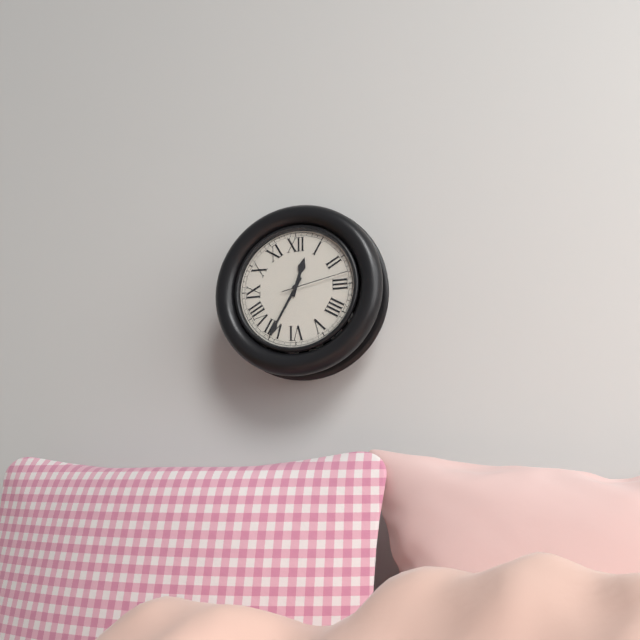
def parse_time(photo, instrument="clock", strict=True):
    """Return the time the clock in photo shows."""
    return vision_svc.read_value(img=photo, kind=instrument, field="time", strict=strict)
12:35:13
